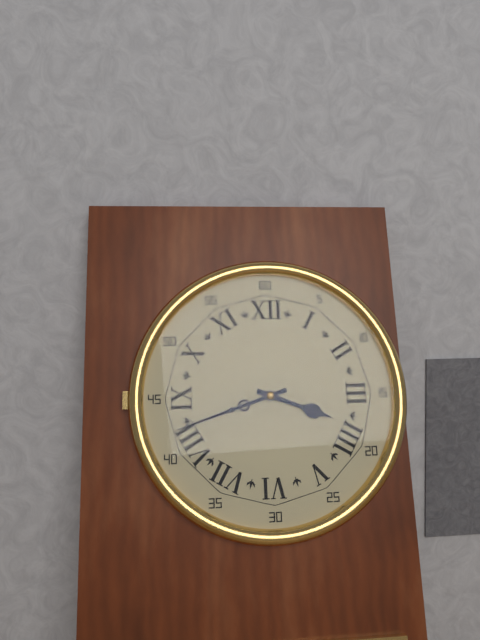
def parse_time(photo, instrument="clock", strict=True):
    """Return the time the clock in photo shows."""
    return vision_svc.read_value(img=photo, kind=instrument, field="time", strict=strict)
3:42
